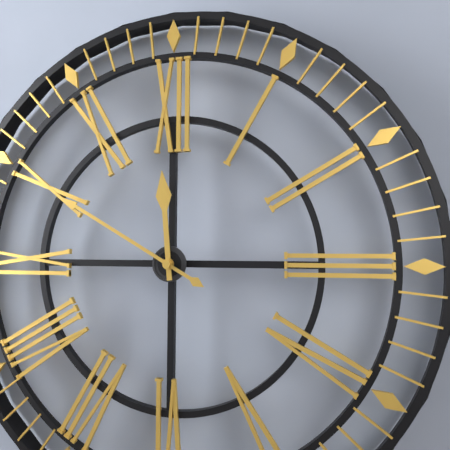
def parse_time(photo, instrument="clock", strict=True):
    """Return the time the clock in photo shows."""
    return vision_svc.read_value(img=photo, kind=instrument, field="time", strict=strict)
11:50
